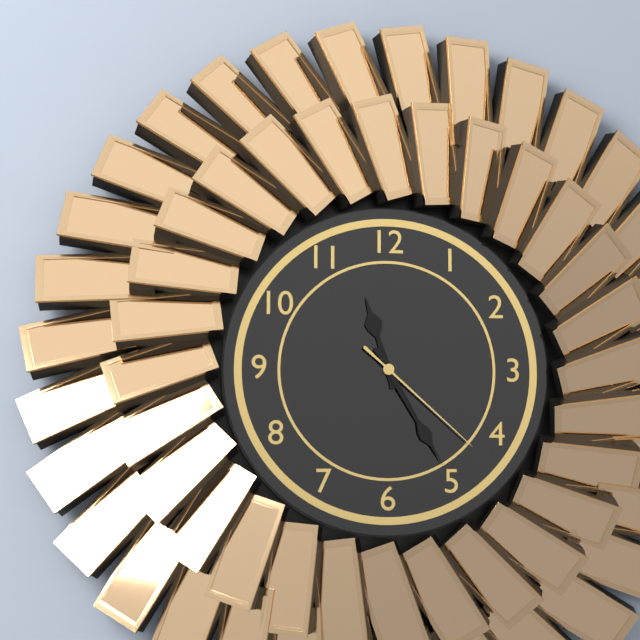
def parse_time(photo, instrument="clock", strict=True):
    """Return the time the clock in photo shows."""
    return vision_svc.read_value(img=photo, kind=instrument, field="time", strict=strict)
11:25:22
